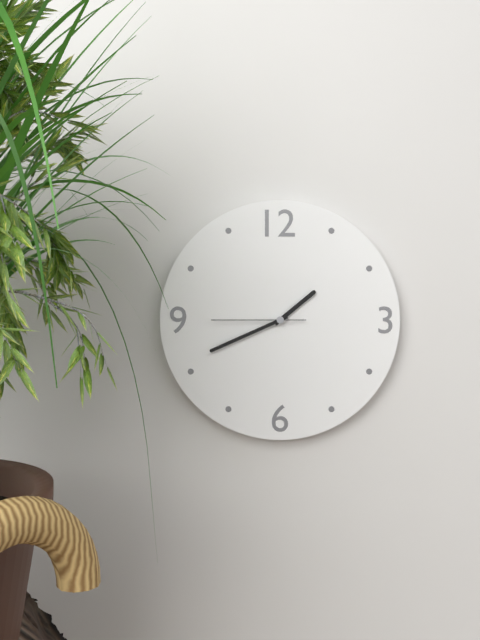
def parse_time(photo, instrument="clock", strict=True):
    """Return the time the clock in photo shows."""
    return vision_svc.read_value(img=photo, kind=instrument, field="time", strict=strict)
1:41:45
